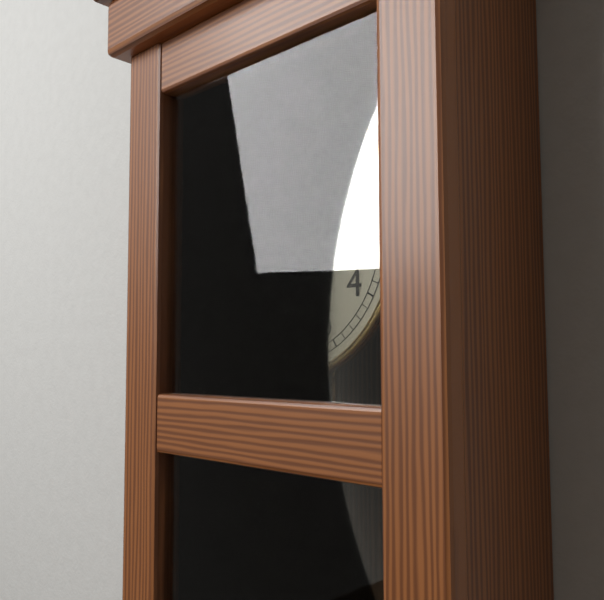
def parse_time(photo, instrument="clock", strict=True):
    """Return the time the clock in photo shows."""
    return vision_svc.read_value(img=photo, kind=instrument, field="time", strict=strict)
1:53
